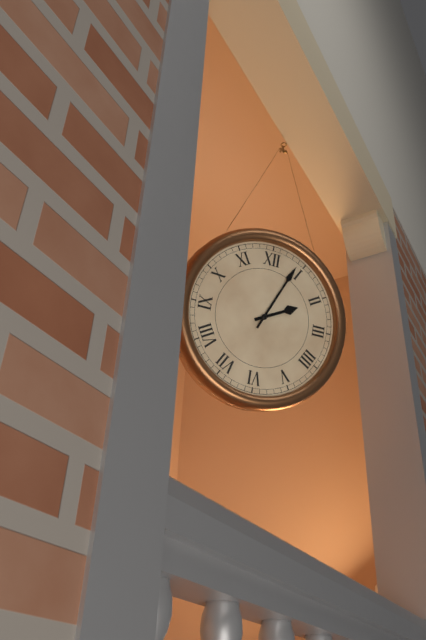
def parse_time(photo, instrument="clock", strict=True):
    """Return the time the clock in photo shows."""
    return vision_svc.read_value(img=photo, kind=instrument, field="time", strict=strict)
2:04
